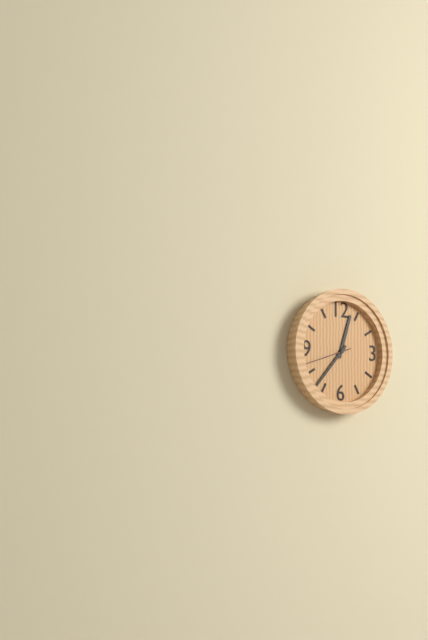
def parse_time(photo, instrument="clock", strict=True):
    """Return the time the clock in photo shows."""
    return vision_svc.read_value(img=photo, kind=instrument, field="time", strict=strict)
12:37
